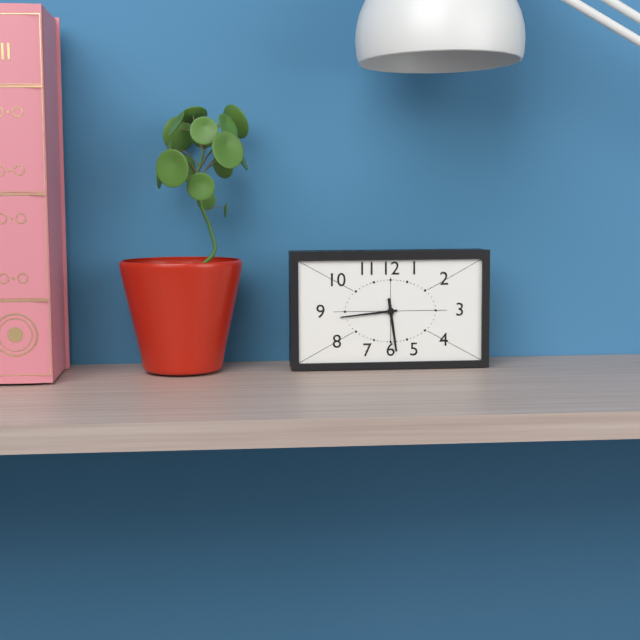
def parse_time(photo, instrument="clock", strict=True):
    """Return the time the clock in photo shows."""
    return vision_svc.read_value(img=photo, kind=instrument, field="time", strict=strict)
5:44
